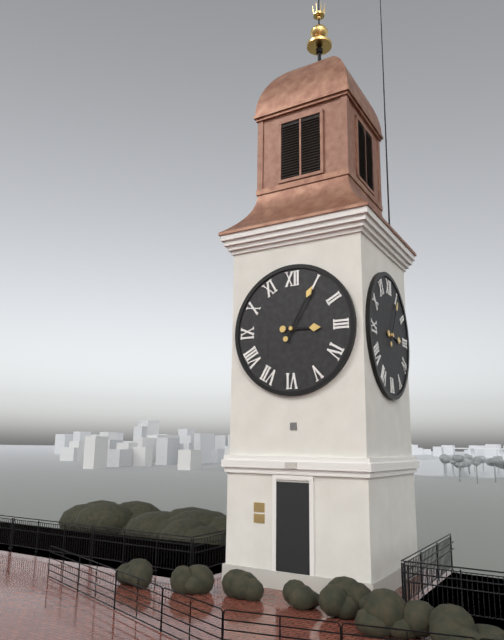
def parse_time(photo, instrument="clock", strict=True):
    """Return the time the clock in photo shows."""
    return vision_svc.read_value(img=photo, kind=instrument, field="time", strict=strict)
3:05
